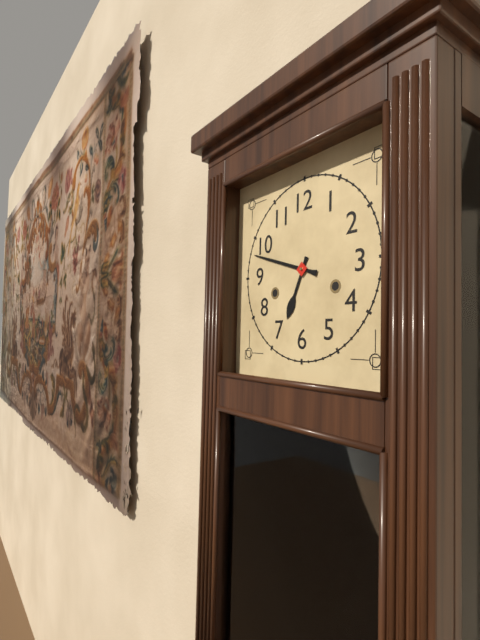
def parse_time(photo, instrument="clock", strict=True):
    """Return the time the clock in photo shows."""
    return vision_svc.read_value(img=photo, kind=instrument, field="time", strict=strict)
6:48
